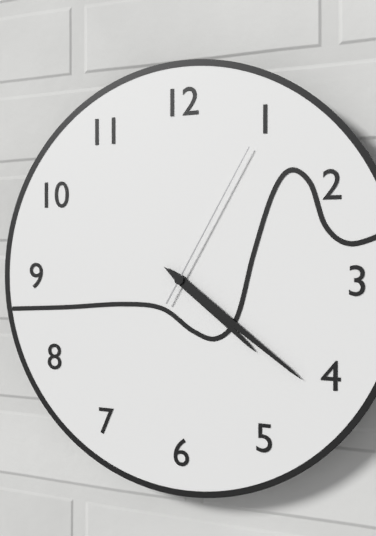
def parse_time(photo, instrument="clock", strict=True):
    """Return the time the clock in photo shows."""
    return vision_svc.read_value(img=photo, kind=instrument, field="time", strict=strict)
4:21:05
